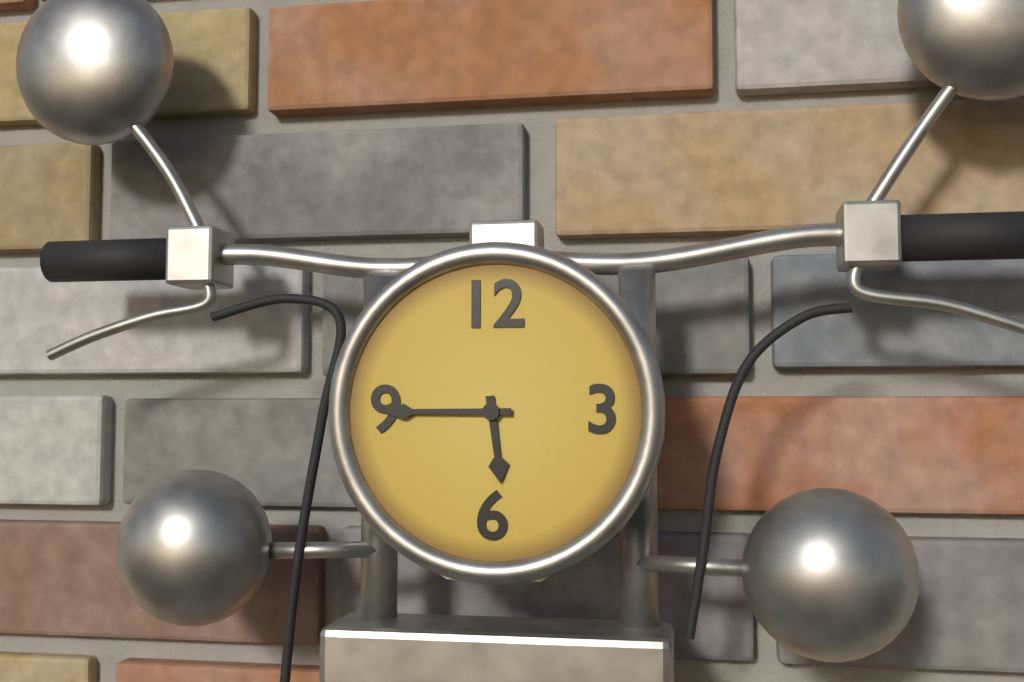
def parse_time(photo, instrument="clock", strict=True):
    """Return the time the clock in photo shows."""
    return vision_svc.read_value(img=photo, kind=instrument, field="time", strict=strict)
5:45
